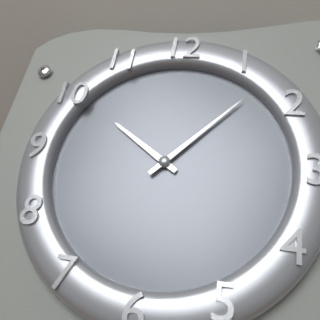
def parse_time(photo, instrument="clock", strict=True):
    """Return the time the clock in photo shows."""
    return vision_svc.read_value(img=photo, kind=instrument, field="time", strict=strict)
10:07
